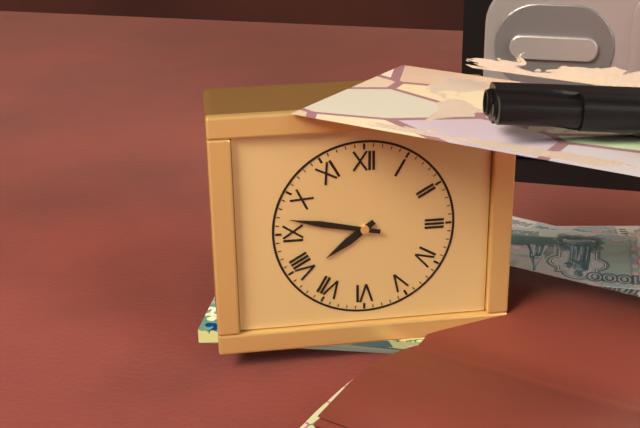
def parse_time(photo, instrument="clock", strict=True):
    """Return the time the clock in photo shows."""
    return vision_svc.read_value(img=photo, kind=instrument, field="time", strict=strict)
7:47
